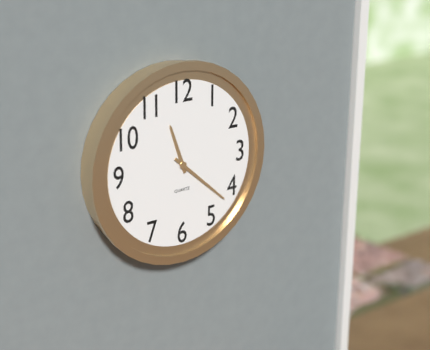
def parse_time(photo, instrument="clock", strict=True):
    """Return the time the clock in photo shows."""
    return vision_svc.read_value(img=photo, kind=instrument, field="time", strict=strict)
11:22
